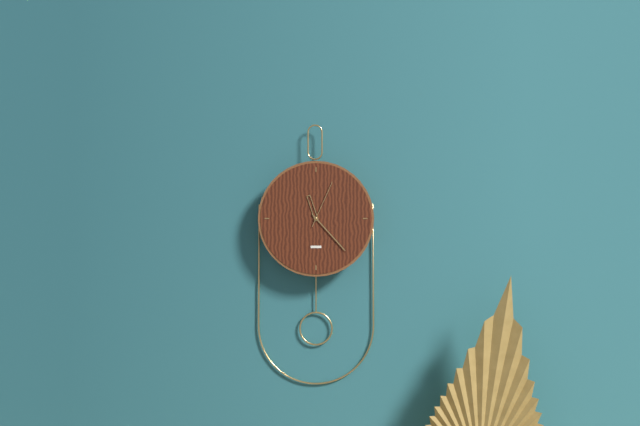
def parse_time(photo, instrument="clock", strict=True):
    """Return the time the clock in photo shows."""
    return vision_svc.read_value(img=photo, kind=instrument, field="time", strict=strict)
11:23:04
